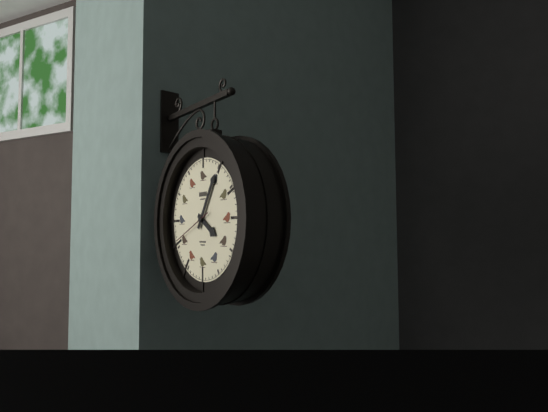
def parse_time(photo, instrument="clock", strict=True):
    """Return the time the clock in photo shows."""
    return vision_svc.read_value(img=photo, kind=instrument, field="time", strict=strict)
4:05
